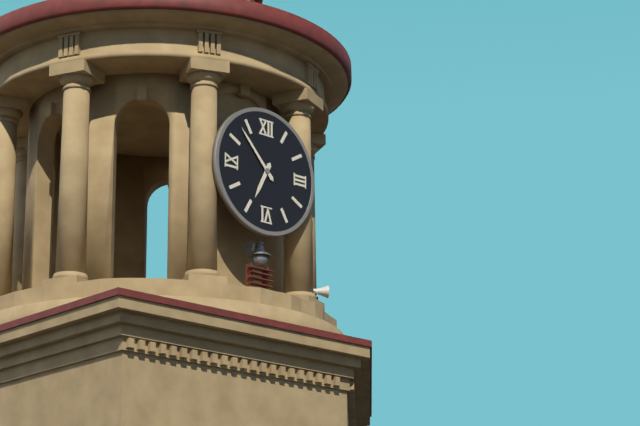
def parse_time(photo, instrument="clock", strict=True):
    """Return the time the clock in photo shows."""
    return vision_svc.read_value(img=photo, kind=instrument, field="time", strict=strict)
6:53
